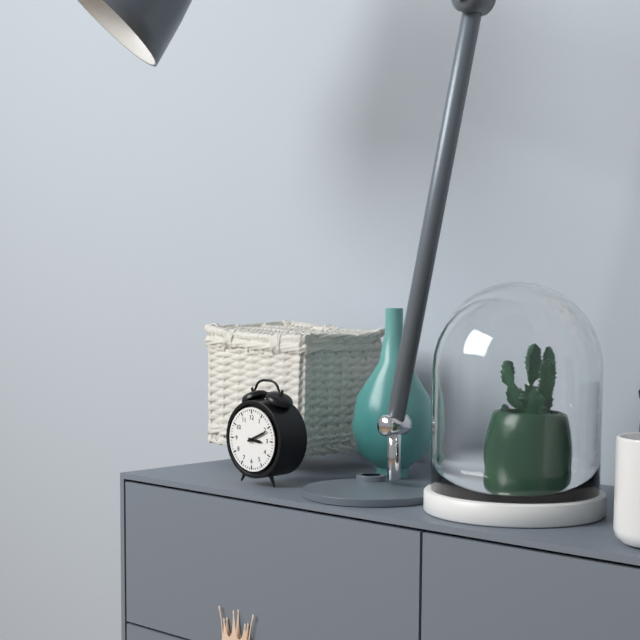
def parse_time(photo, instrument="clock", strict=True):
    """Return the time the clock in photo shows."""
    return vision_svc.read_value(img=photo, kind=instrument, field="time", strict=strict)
3:11
